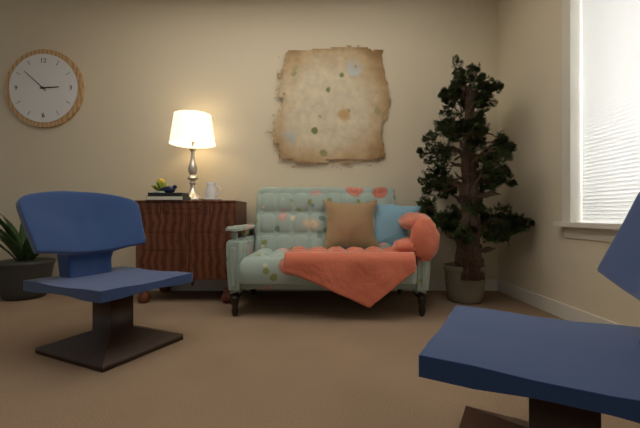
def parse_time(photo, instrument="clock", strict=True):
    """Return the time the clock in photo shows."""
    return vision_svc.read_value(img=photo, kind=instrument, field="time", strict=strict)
2:52
